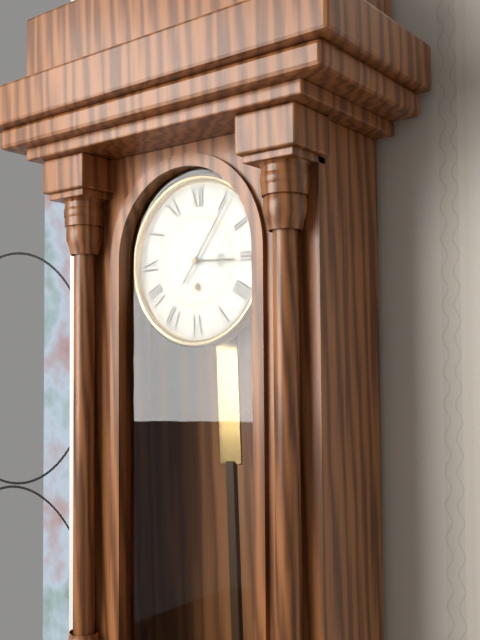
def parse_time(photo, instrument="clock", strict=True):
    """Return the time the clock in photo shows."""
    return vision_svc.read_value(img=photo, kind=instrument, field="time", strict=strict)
3:06
